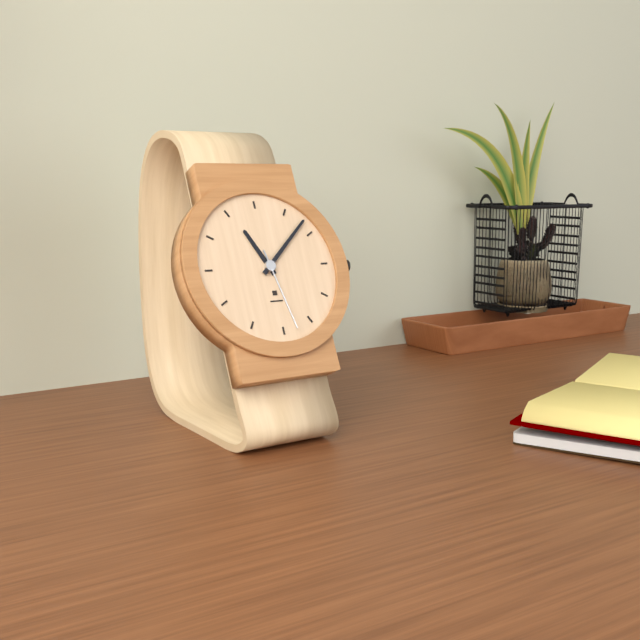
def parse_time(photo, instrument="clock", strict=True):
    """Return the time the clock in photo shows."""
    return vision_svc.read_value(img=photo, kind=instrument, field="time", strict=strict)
11:08:28
